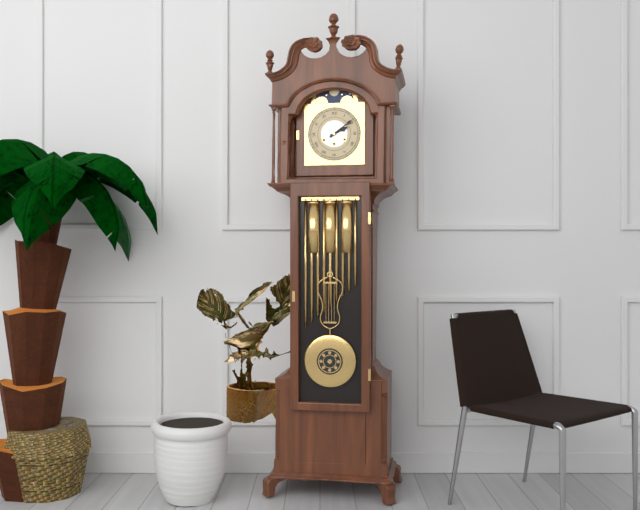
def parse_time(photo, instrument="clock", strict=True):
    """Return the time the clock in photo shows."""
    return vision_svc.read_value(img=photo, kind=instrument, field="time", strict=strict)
2:09
